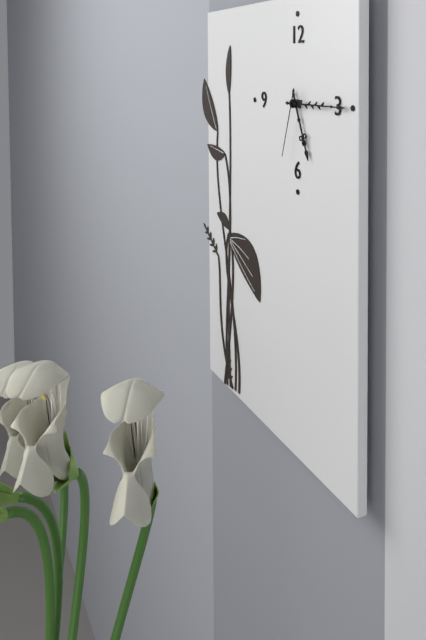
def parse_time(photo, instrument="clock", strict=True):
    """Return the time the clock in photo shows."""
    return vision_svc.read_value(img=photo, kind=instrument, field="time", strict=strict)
5:15:33
